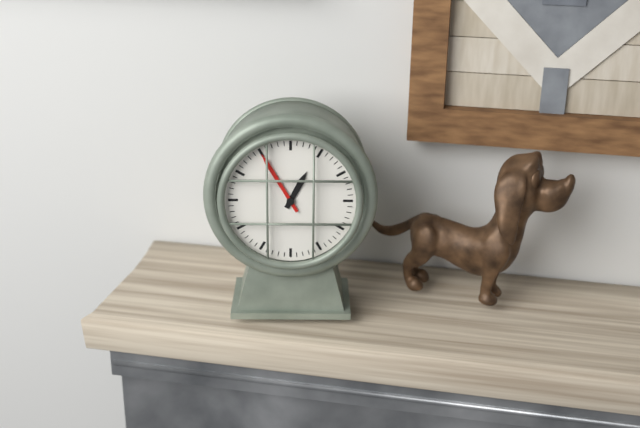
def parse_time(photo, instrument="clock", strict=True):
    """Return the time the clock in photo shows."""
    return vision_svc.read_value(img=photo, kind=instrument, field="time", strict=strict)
12:55
